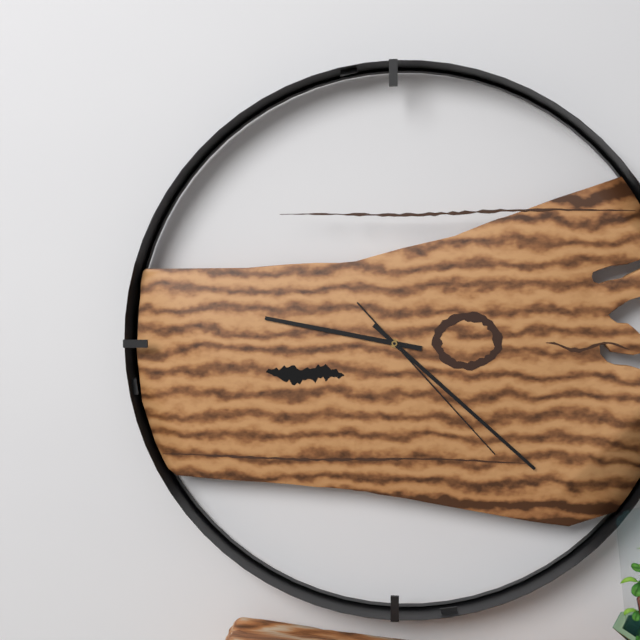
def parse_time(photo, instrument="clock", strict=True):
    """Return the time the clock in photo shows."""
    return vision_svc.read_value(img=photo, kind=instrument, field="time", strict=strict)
9:22:23
